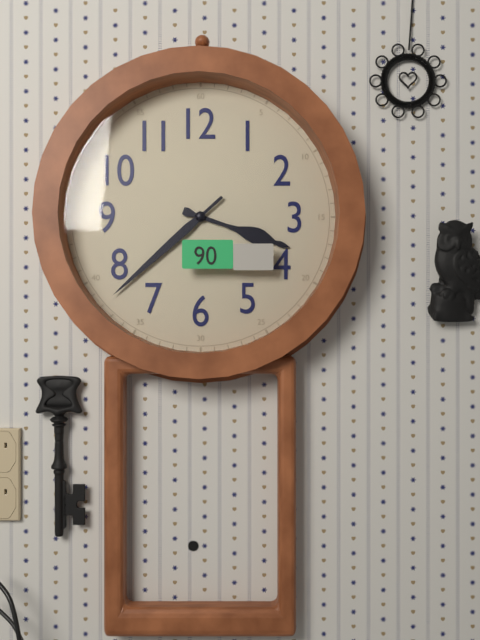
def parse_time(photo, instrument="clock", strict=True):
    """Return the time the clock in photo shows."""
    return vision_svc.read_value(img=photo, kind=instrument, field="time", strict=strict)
3:38
